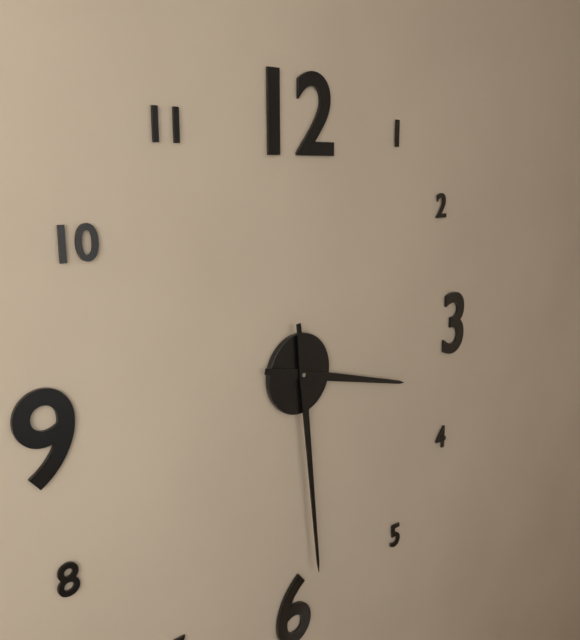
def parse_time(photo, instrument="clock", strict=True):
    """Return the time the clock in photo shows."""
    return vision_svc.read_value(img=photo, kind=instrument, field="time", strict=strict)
3:29
